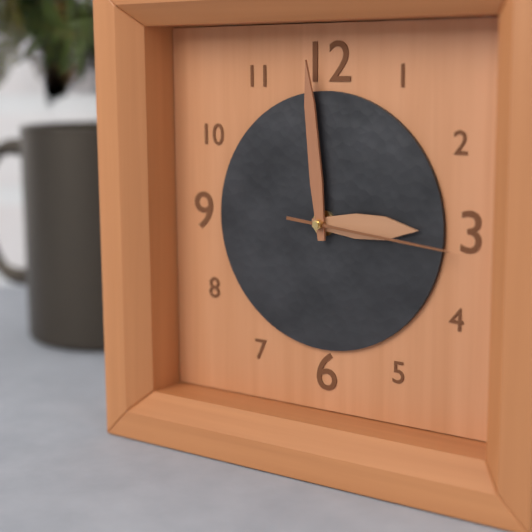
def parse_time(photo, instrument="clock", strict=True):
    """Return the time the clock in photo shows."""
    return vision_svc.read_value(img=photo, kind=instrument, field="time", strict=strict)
2:59:16
